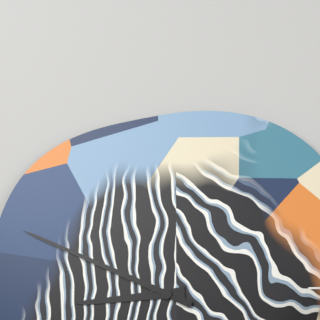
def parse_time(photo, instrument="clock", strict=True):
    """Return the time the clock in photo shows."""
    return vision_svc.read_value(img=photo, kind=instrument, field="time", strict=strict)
8:49
